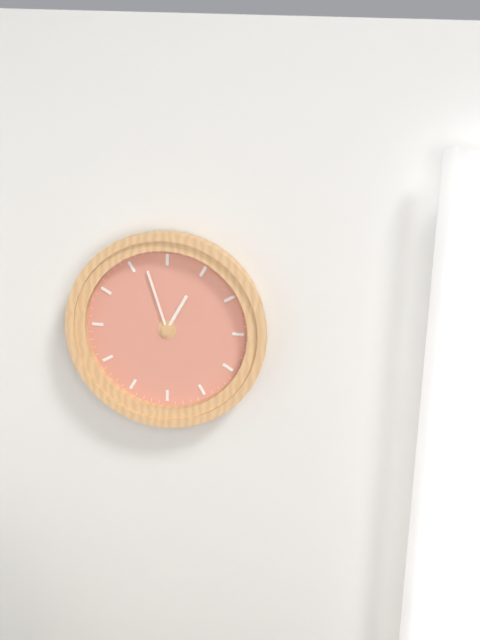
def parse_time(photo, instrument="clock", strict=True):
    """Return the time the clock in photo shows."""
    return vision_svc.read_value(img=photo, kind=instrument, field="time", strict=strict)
12:57
